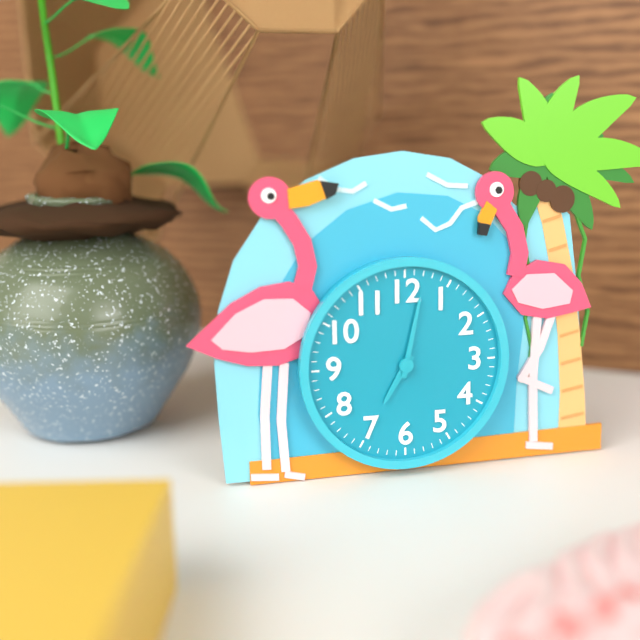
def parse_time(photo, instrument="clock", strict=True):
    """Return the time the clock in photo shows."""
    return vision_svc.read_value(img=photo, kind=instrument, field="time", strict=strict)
7:02
